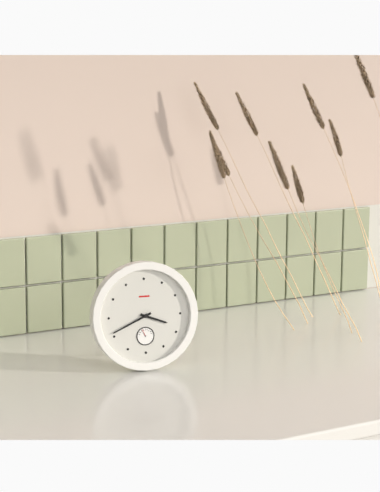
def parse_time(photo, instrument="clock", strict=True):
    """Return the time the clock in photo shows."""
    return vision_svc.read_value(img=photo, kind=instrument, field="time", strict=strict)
3:41
